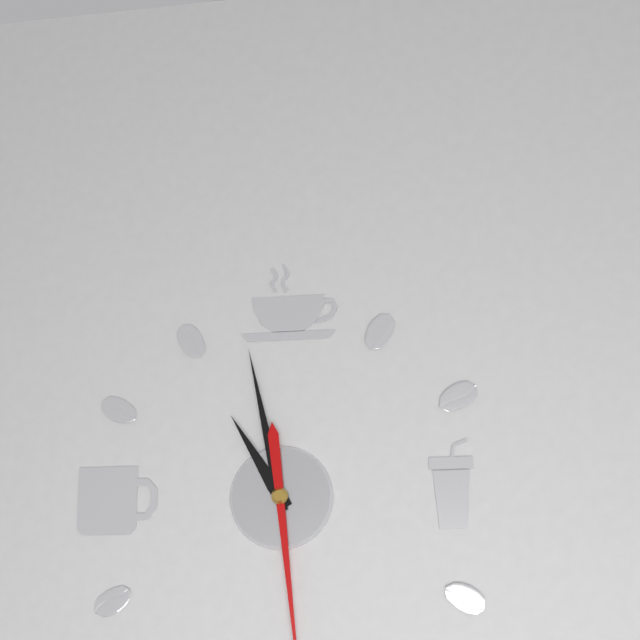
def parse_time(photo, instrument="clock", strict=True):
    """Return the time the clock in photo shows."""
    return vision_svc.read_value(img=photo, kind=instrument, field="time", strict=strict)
10:58
